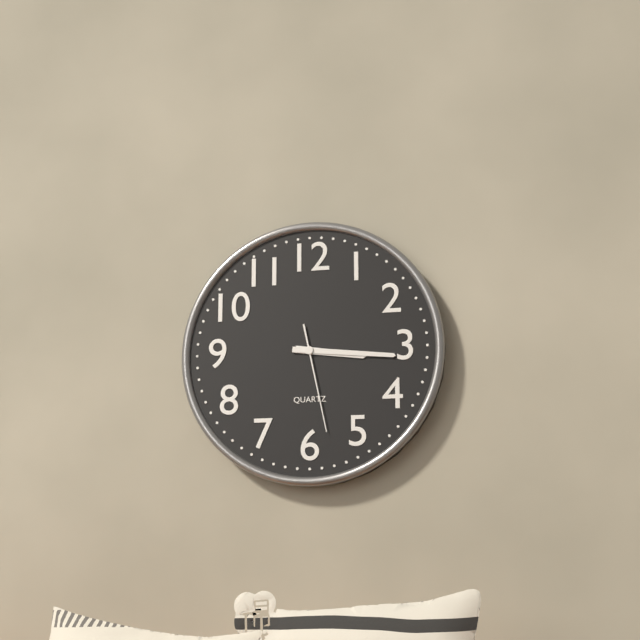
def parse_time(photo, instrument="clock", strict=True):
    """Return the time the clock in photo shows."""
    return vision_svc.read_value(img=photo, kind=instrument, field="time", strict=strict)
3:16:28
